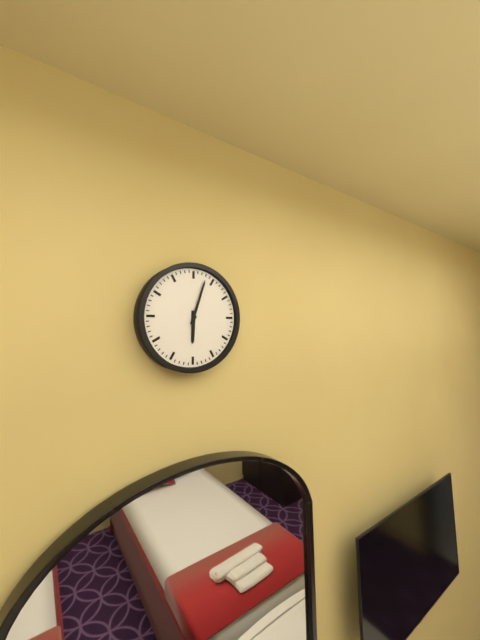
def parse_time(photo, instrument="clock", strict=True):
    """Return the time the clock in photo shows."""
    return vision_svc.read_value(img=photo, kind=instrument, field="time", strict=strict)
6:03
